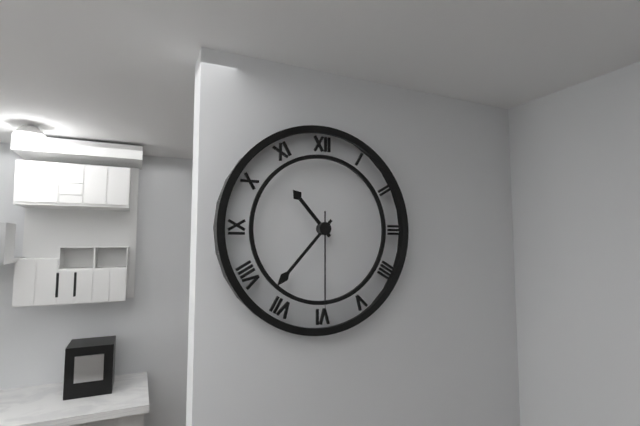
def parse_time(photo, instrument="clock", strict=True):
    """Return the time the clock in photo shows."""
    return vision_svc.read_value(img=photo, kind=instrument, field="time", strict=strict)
10:37:30
